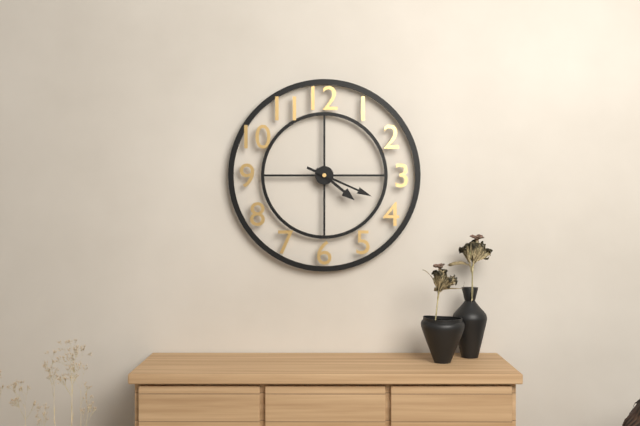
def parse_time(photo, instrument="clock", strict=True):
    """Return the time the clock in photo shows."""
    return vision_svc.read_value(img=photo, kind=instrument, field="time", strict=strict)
4:19
